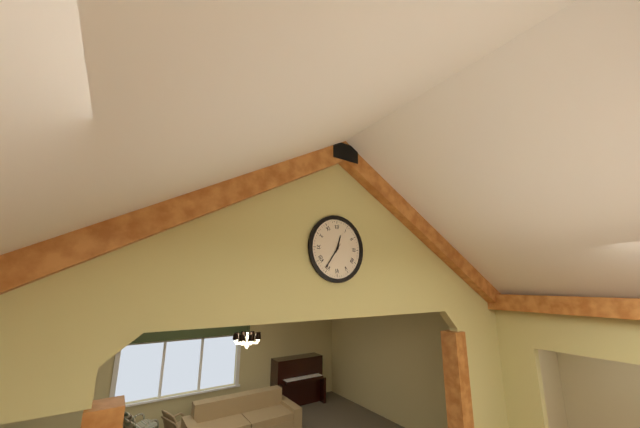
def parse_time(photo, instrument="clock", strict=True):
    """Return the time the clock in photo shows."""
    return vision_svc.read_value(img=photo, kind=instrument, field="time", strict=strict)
12:36
